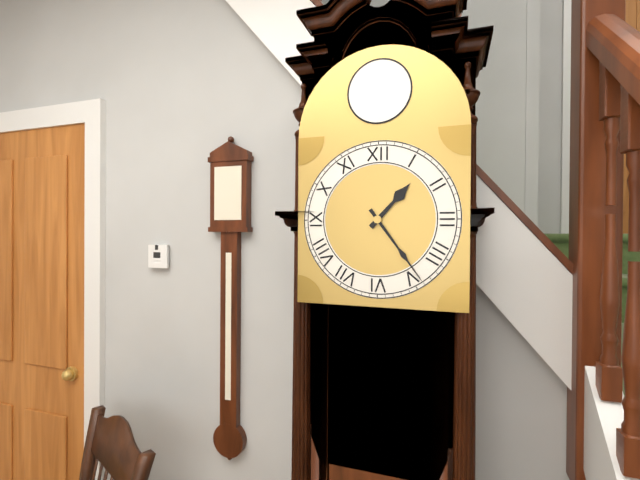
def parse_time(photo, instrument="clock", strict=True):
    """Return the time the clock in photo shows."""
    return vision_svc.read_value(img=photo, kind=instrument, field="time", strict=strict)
1:24
